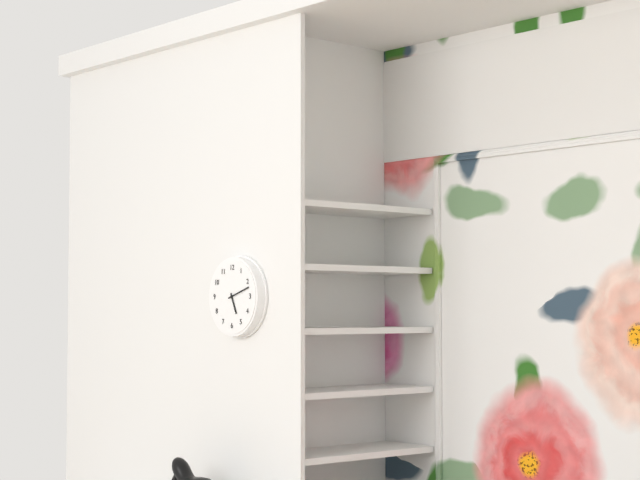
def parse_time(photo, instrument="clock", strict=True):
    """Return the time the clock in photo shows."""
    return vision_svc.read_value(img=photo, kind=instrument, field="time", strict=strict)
5:12
